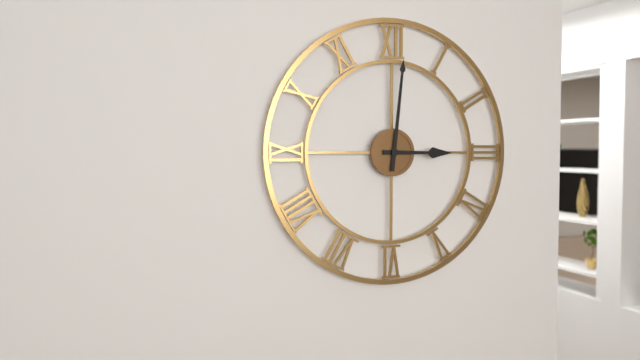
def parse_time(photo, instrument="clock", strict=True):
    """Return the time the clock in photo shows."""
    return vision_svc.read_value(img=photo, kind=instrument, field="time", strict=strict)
3:01
